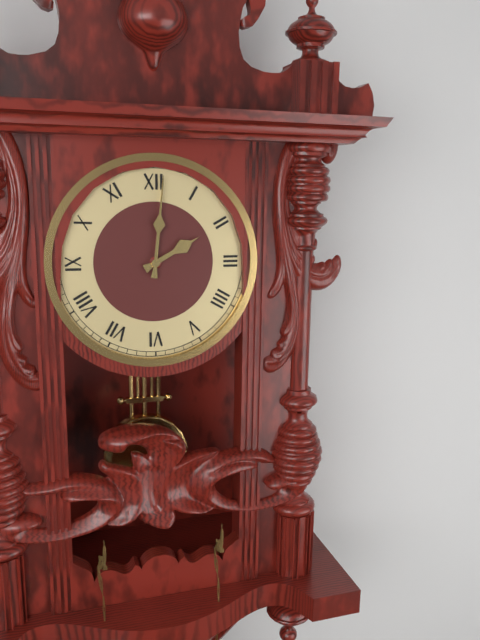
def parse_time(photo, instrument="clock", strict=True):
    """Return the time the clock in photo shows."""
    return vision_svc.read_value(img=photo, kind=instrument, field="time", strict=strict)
2:01
